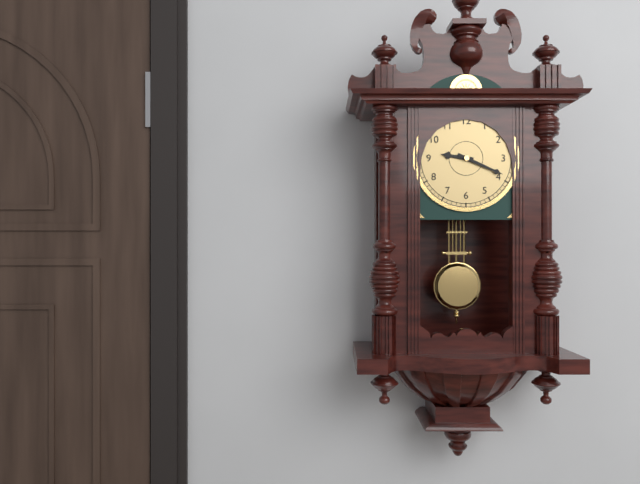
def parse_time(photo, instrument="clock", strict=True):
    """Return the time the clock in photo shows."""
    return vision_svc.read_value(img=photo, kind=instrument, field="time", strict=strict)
9:19
